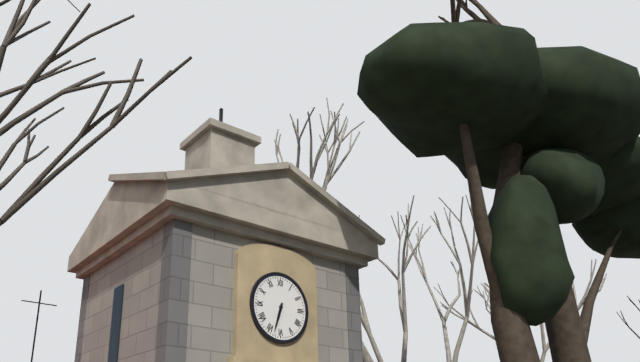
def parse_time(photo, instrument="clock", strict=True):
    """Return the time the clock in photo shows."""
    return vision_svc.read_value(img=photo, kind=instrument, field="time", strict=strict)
6:33
